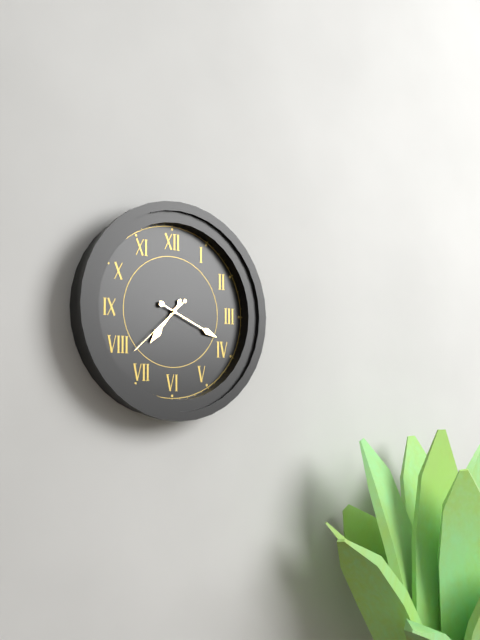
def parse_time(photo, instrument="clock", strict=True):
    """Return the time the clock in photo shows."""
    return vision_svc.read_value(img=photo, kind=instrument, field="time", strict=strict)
7:19:38
